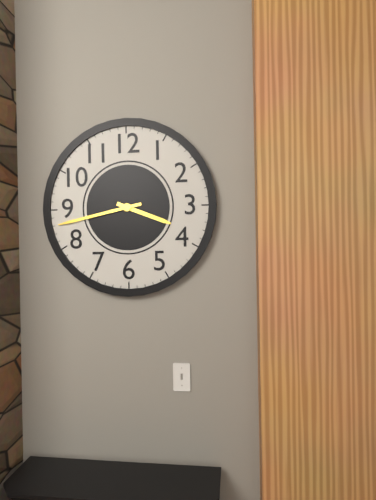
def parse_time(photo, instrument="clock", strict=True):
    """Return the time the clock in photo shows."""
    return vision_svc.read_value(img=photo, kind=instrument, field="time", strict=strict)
3:43
